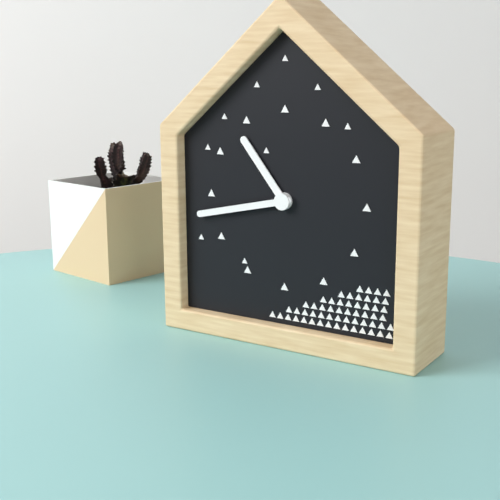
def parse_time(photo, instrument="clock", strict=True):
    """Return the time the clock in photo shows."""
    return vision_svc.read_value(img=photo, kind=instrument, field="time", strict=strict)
10:43
